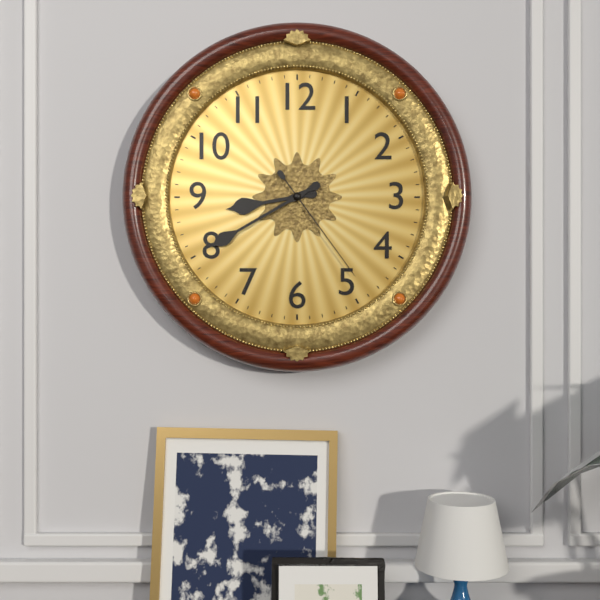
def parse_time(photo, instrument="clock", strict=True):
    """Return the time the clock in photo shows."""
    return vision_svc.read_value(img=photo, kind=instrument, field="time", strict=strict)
8:40:24
